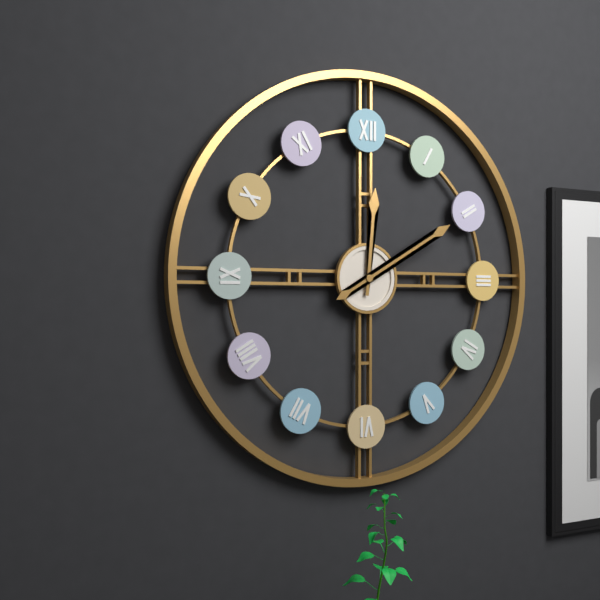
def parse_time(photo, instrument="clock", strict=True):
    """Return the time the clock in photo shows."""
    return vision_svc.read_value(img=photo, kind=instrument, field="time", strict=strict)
12:10
